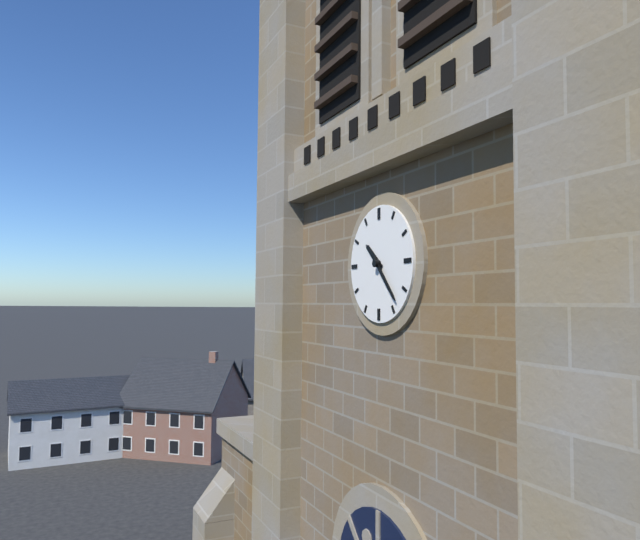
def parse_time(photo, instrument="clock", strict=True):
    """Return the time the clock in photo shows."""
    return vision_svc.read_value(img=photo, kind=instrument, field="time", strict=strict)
10:23
